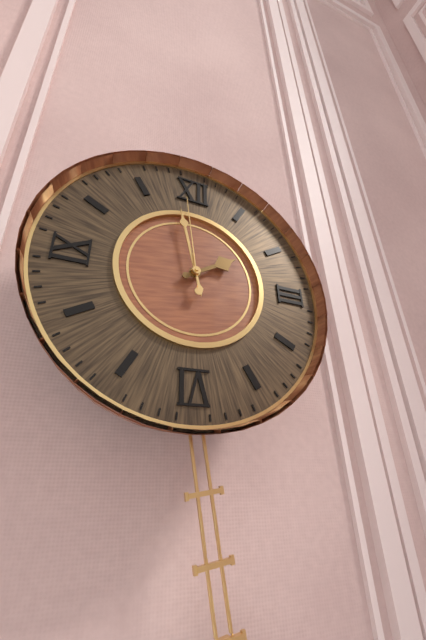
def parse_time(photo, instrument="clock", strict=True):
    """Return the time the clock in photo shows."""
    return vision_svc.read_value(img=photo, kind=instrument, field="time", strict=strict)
1:58:59
